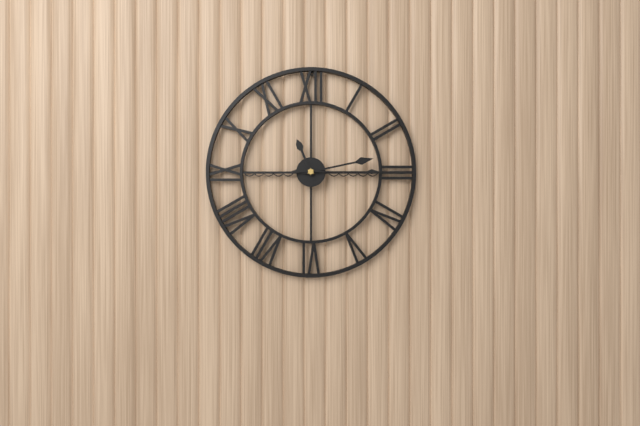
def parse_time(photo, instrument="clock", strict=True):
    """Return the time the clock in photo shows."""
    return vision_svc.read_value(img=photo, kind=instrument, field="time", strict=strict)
11:13:15
